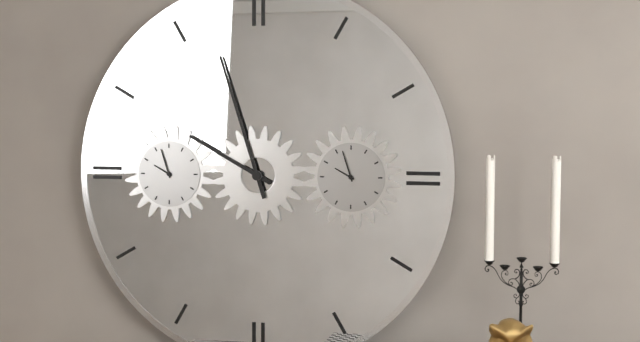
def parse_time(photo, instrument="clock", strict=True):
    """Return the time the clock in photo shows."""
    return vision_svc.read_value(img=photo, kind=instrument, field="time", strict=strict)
9:57
